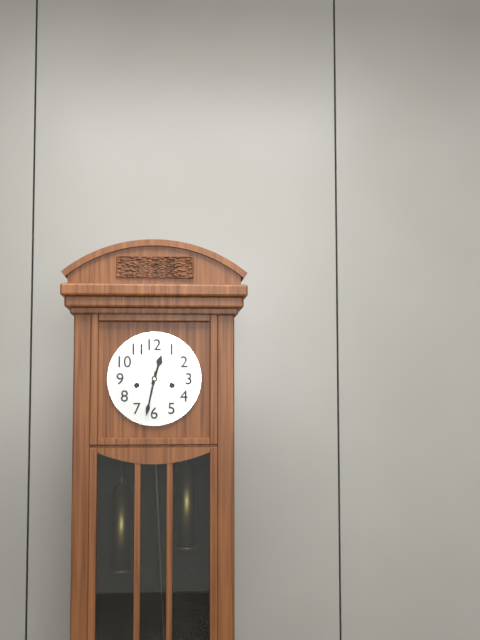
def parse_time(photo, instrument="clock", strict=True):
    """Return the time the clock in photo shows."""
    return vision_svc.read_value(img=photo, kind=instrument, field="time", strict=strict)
12:32
